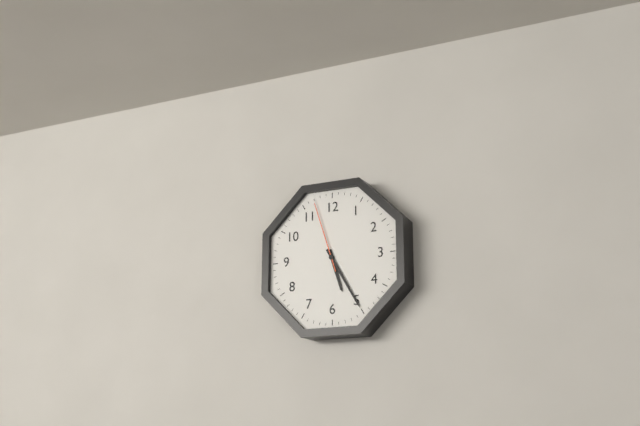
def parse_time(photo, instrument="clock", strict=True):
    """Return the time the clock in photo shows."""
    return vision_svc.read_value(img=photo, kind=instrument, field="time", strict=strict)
5:25:57
